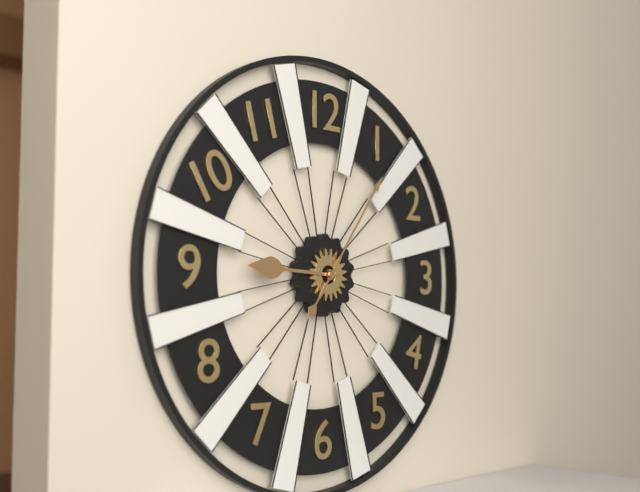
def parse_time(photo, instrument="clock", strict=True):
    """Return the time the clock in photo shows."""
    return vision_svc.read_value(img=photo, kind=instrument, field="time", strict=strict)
9:06
